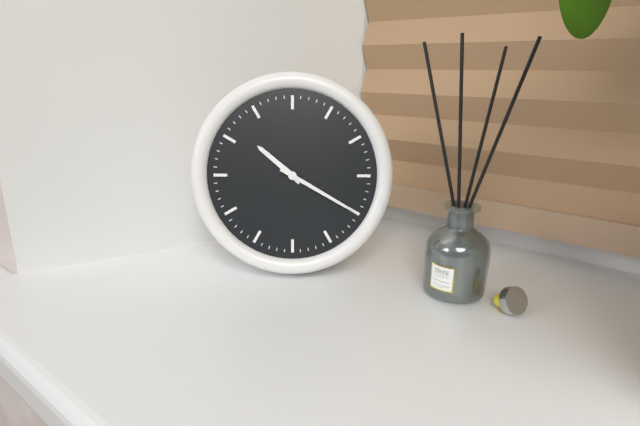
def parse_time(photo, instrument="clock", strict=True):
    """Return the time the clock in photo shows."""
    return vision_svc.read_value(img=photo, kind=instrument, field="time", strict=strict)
10:20
